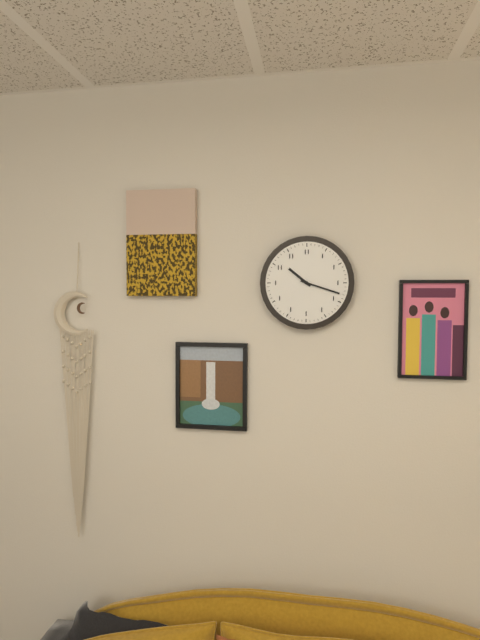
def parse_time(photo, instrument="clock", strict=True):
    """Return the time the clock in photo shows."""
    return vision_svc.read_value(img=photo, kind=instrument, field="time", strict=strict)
10:18
